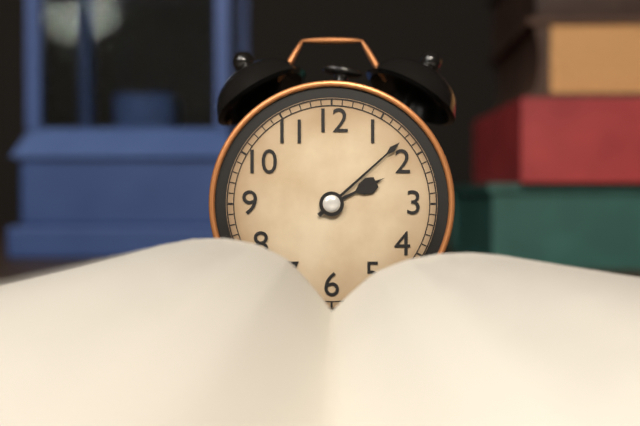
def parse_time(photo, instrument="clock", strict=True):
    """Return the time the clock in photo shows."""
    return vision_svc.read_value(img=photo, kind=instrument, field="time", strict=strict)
2:08
